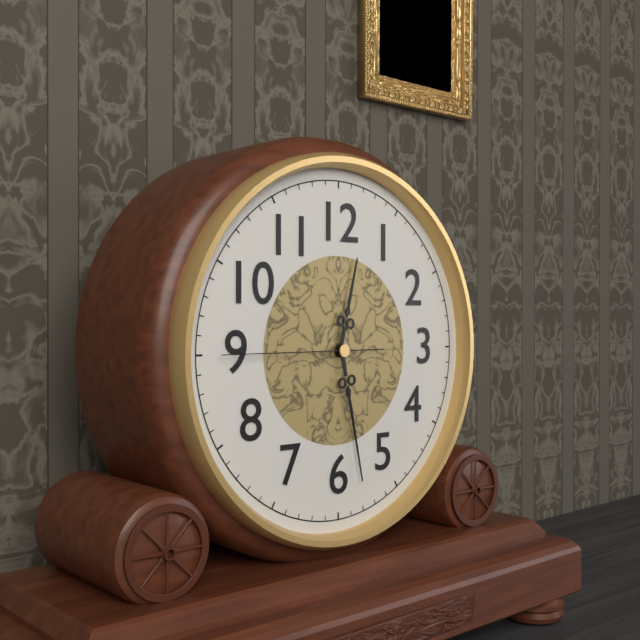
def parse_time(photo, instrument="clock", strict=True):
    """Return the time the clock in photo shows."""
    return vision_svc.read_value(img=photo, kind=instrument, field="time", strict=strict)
12:28:45
